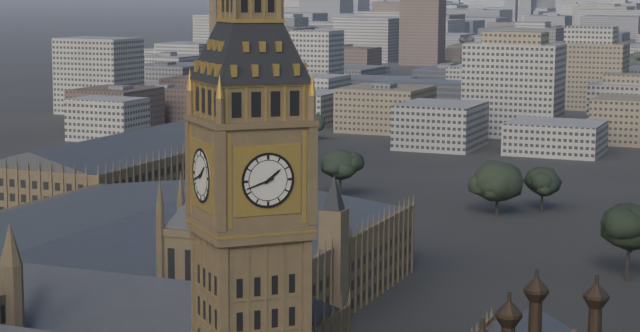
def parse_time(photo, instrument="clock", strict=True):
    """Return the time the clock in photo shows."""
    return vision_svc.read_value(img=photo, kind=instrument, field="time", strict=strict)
1:42
